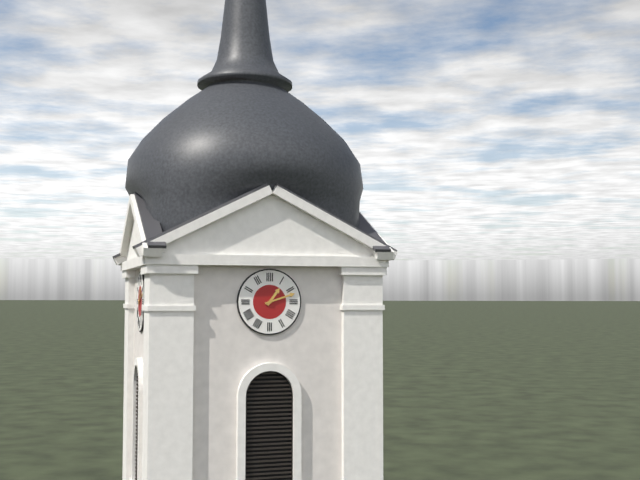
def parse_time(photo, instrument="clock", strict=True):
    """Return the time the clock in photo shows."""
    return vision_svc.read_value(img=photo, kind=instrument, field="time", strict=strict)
1:12
